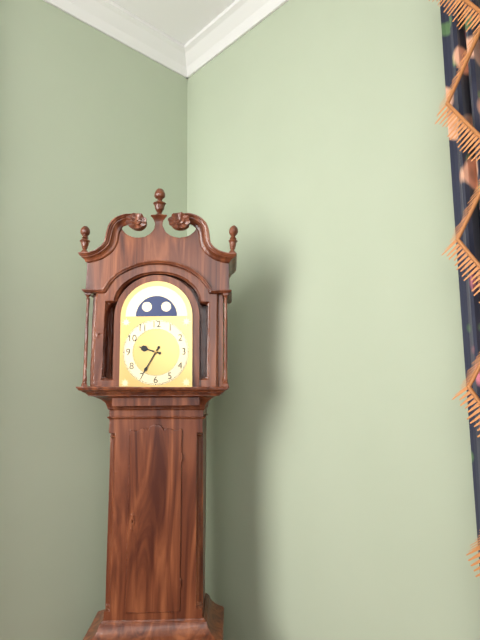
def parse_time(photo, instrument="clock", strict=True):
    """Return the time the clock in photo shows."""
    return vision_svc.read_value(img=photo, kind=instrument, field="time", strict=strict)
9:35
